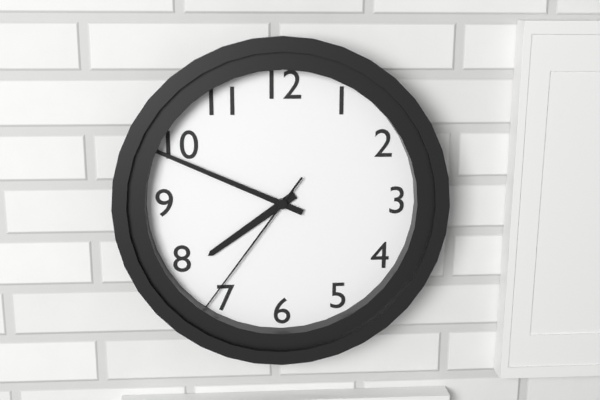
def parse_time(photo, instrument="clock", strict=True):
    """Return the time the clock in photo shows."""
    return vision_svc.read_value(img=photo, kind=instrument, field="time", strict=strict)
7:49:36
